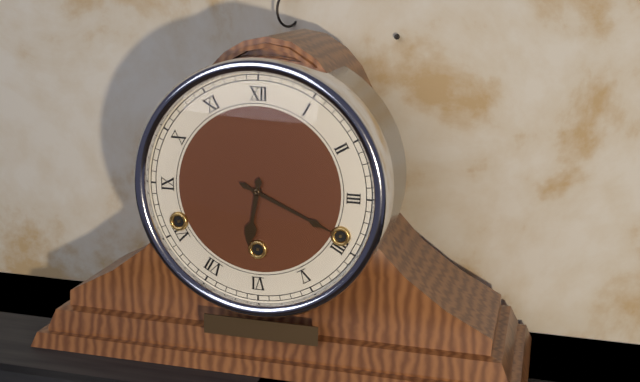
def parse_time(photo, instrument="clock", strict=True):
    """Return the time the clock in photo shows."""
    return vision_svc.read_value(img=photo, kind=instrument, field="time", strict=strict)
6:19
